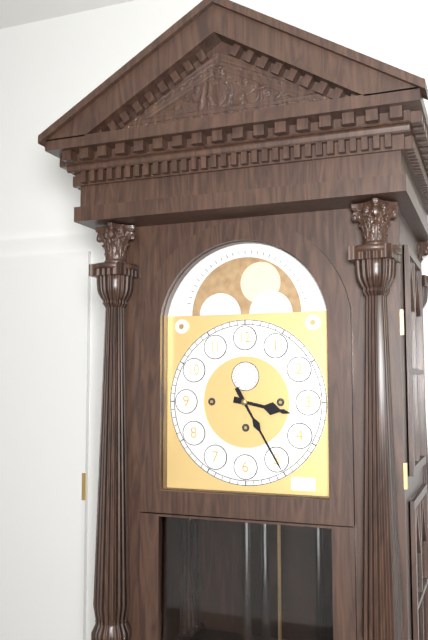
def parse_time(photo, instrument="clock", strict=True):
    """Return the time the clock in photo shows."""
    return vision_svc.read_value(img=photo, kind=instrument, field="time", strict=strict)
3:25
